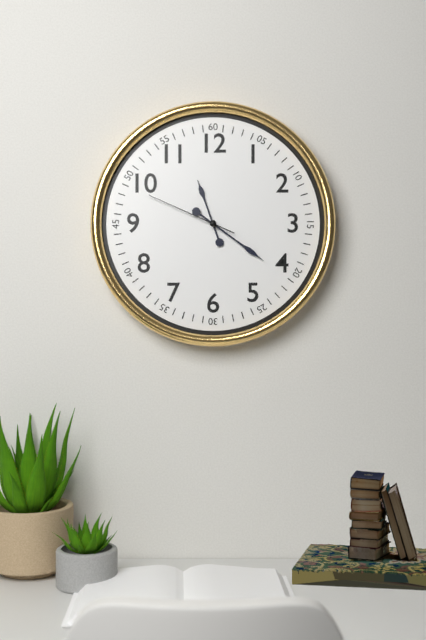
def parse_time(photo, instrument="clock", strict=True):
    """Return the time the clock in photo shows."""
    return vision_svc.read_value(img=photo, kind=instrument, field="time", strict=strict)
11:21:49
